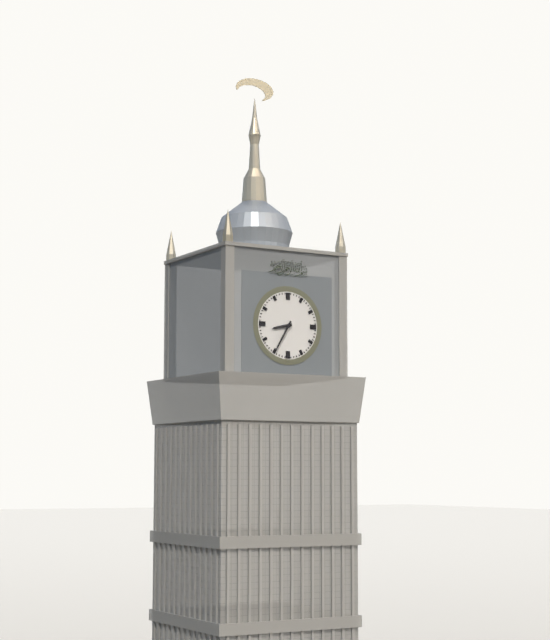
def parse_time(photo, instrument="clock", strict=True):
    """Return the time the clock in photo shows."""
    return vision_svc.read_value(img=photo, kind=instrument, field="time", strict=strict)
8:35
